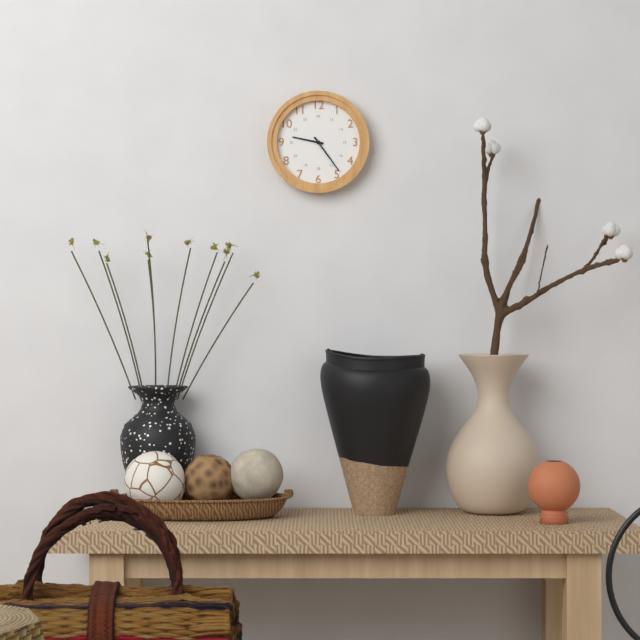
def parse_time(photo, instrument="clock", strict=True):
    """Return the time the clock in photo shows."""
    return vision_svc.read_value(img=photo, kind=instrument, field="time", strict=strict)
9:24
